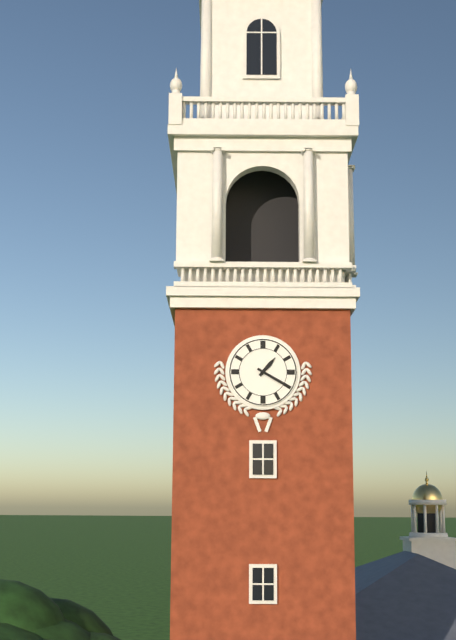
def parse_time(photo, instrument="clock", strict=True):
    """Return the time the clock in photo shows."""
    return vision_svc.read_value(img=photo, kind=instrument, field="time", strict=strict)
1:20
